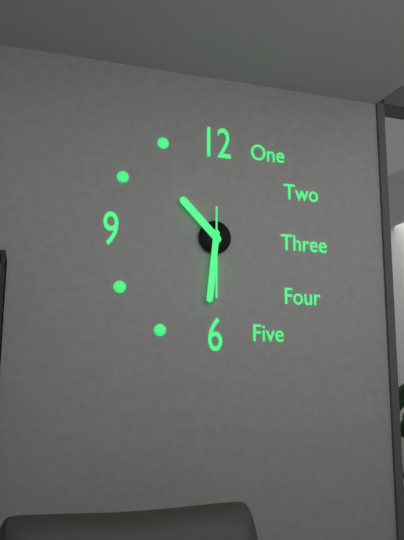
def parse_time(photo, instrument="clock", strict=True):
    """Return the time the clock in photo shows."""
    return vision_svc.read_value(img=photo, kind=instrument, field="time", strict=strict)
10:31:30
